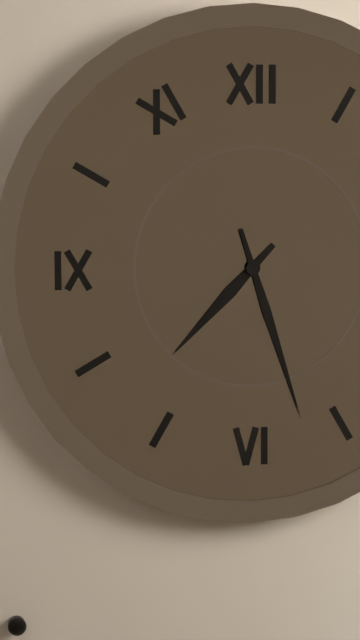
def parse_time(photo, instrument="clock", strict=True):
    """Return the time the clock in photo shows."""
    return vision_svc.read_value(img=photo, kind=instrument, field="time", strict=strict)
7:27
